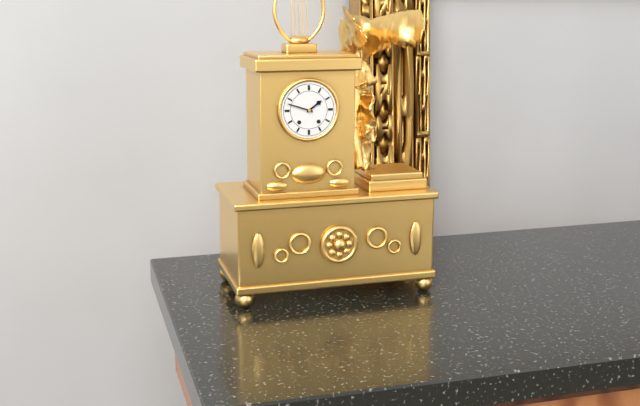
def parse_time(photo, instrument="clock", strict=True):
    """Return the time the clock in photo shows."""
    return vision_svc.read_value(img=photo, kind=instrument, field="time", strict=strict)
1:48
